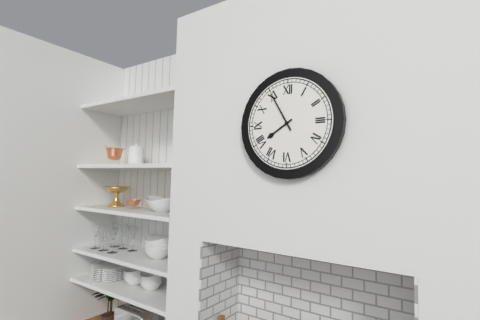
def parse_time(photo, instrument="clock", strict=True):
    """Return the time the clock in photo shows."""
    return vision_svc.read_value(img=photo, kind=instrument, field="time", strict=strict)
7:55
